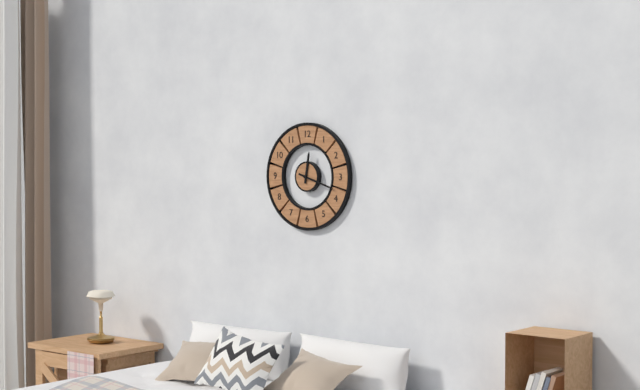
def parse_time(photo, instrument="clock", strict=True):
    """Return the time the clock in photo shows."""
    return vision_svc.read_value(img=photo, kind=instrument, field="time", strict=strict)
12:18
